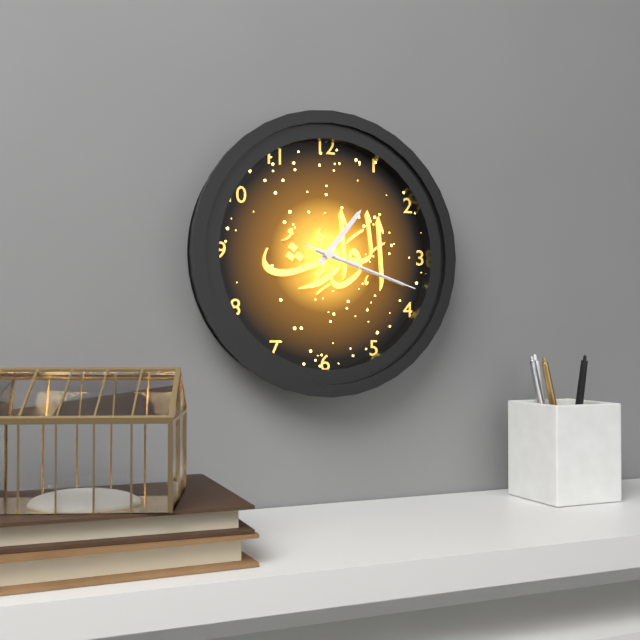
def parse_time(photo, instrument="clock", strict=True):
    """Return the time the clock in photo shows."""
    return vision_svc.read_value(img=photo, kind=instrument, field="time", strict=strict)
1:18:18
